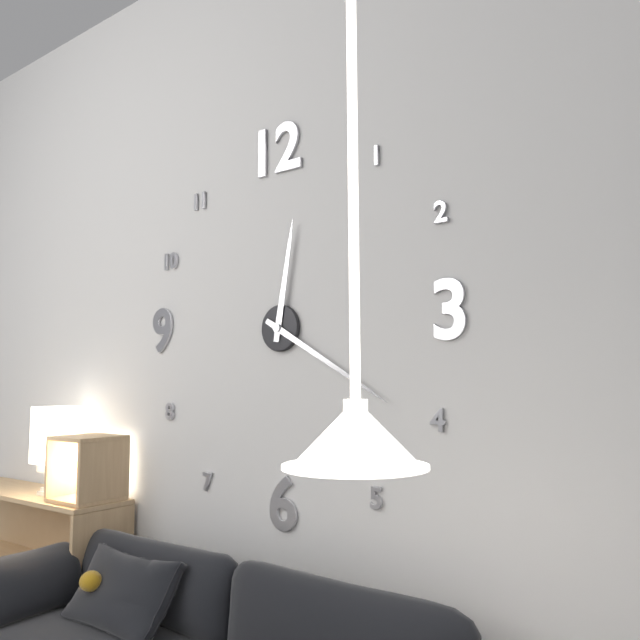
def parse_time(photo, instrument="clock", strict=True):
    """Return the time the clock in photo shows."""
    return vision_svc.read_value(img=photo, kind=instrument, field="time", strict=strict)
12:20
